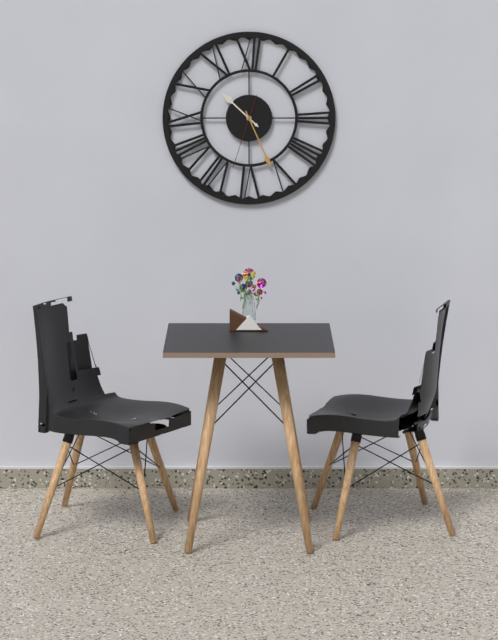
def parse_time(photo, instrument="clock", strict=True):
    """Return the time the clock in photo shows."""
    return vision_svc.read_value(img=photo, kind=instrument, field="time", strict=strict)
10:26:33
